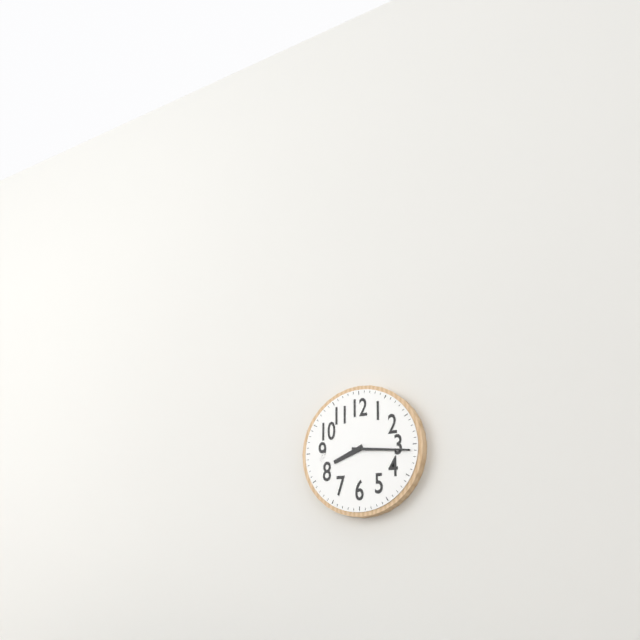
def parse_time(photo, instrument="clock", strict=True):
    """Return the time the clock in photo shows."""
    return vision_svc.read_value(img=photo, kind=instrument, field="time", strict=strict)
8:16
